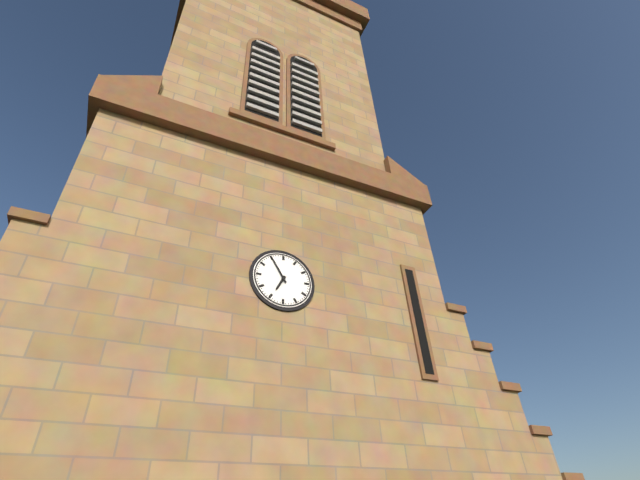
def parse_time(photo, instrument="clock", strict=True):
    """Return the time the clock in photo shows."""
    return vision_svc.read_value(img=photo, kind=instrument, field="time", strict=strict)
6:55
